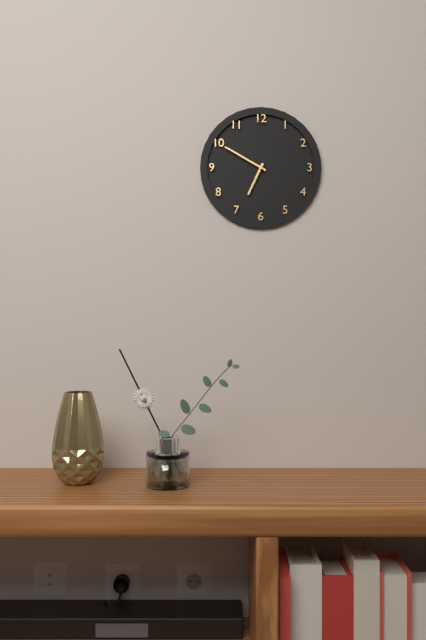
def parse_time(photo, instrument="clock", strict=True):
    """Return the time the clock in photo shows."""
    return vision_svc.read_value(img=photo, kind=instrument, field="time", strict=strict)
6:50
